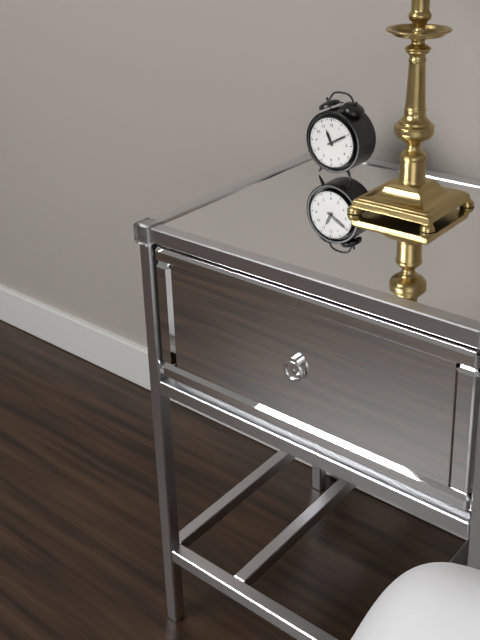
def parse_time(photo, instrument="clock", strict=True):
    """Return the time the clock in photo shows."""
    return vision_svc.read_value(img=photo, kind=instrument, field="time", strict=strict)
11:10
